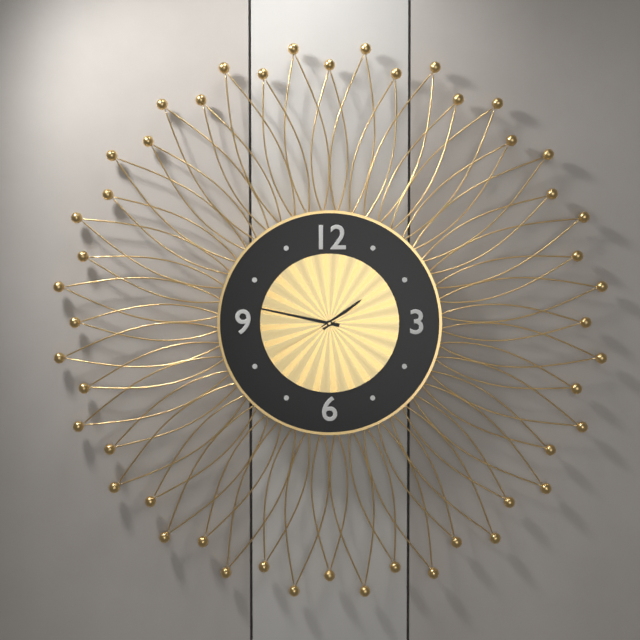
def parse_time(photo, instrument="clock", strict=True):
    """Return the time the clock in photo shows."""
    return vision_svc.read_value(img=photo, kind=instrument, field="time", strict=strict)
1:47:40
